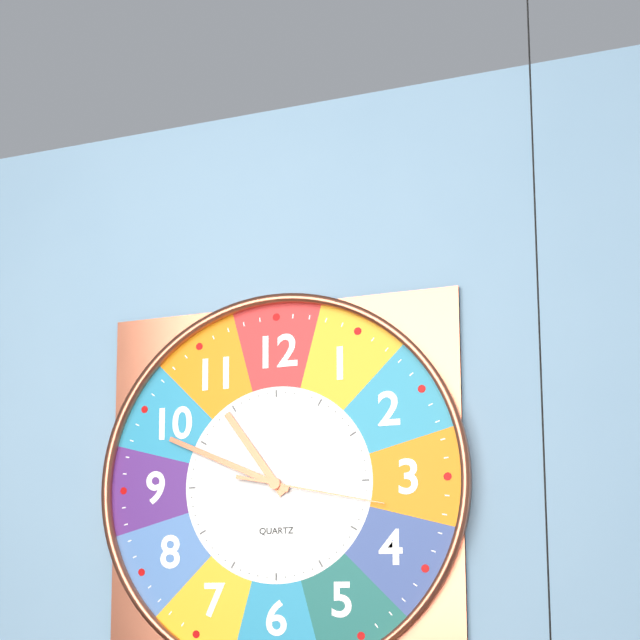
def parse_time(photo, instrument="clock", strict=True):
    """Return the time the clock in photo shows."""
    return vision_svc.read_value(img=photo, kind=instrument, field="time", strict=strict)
10:49:17
